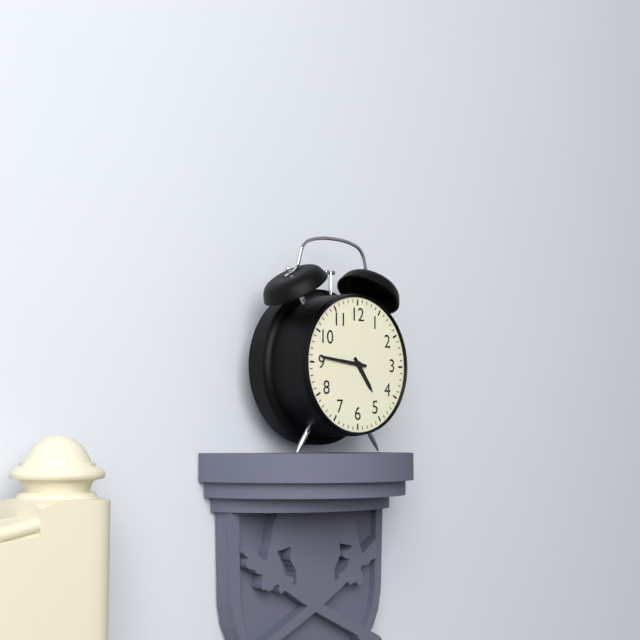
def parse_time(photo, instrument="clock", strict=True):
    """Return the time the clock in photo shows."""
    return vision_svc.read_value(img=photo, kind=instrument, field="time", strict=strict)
4:46
